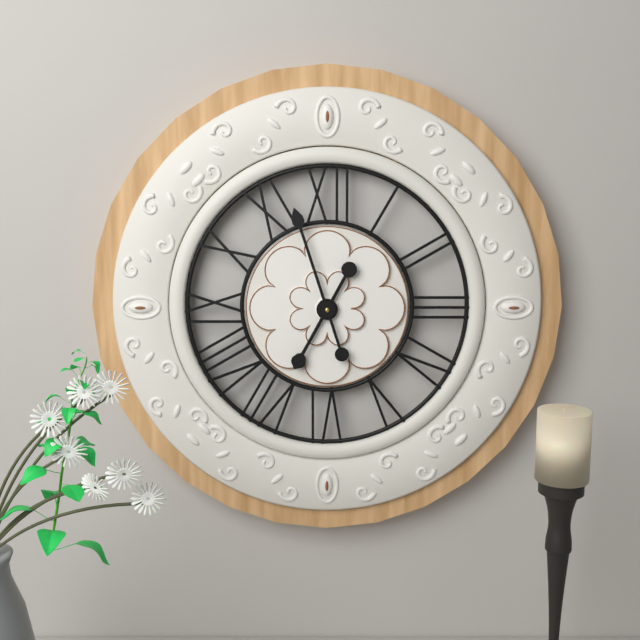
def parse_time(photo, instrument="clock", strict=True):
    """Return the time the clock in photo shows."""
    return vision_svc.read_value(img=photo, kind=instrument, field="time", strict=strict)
6:57
